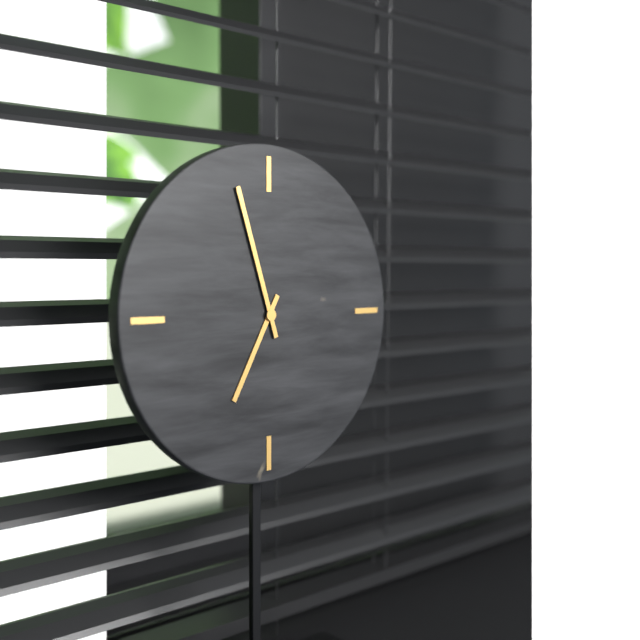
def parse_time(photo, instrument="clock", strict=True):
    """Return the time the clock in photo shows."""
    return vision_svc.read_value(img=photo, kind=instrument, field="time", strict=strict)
6:57
